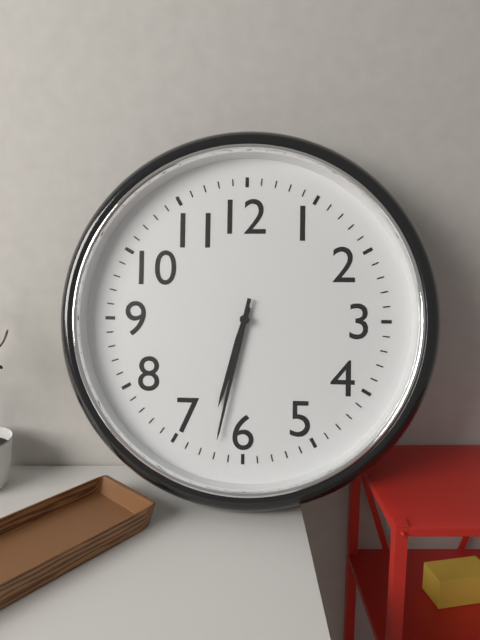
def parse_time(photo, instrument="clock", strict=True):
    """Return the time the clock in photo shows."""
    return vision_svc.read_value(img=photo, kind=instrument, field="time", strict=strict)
6:32
